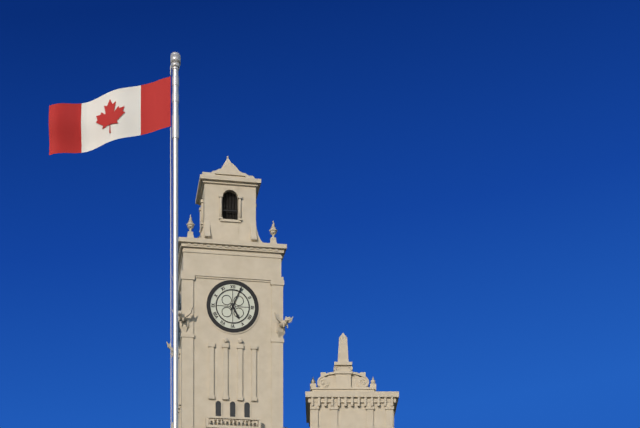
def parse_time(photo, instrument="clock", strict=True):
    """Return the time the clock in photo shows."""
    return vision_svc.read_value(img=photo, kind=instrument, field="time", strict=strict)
5:04
